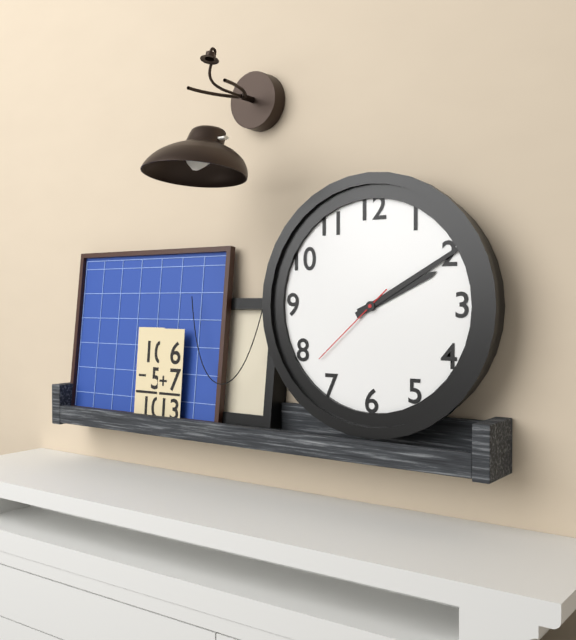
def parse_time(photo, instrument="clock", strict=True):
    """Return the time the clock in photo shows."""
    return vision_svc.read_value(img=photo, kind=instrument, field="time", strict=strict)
2:10:38
